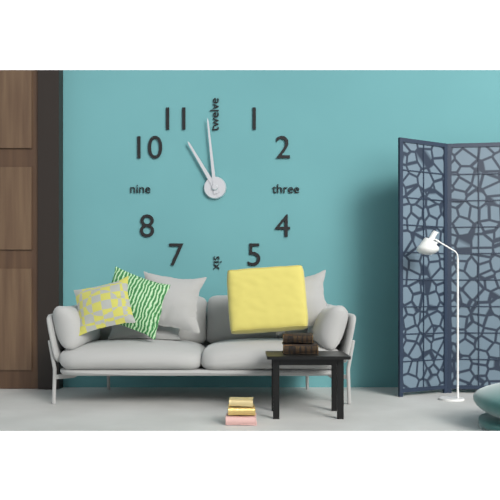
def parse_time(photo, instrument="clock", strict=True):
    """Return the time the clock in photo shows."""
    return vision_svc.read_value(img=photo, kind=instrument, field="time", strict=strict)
10:59
